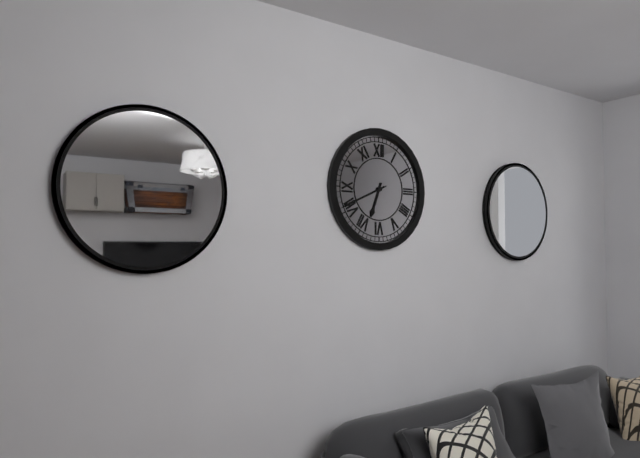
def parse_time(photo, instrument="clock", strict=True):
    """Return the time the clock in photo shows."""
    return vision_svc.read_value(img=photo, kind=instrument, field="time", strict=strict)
6:41
